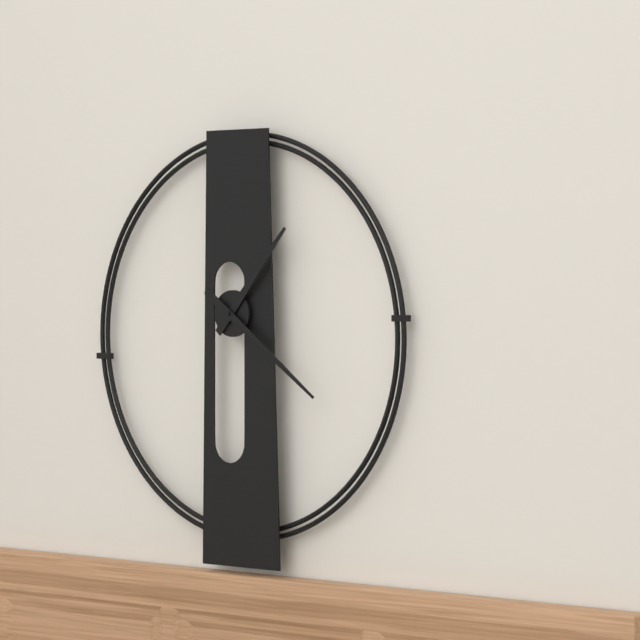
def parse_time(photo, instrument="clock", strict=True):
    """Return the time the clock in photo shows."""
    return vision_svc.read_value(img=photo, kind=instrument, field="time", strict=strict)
1:21
